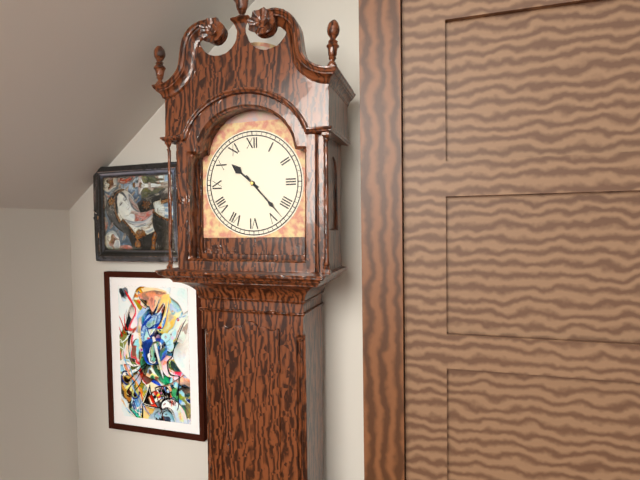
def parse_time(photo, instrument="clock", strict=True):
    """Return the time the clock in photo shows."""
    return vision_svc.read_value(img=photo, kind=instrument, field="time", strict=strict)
10:23
